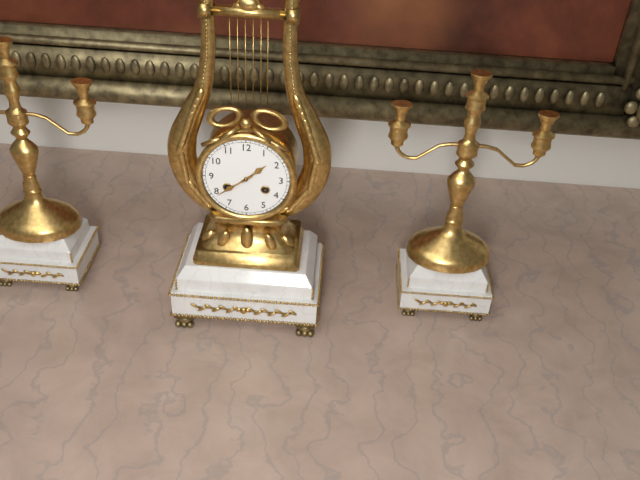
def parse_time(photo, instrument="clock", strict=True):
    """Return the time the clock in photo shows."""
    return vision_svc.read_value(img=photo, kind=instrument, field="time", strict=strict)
1:39
